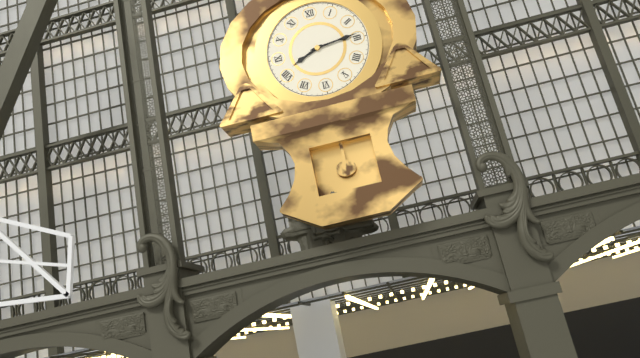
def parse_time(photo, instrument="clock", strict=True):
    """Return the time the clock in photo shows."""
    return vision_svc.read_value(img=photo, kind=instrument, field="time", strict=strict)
8:14
